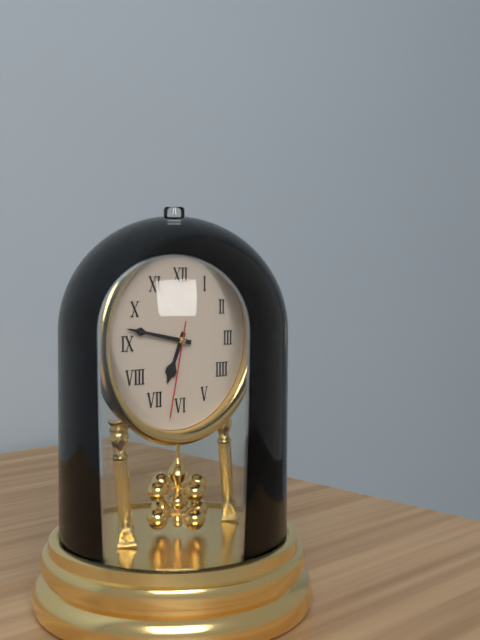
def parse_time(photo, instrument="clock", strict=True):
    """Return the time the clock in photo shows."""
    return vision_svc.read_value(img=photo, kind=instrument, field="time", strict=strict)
6:47:32
